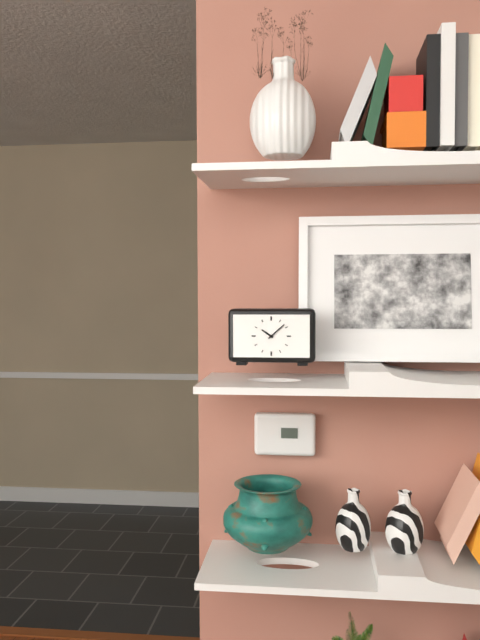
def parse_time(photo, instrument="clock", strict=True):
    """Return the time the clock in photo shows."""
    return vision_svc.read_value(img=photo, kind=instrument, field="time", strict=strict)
10:08
